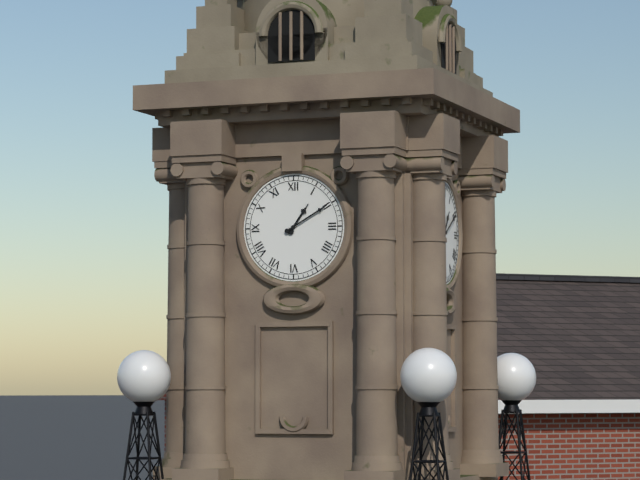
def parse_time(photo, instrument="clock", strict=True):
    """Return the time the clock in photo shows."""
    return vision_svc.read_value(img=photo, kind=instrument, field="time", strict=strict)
1:10
